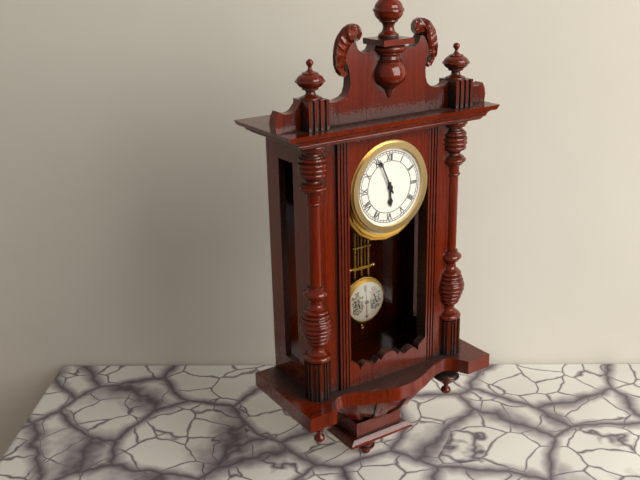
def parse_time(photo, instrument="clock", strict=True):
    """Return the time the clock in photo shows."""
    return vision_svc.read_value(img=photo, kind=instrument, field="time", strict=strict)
5:56
